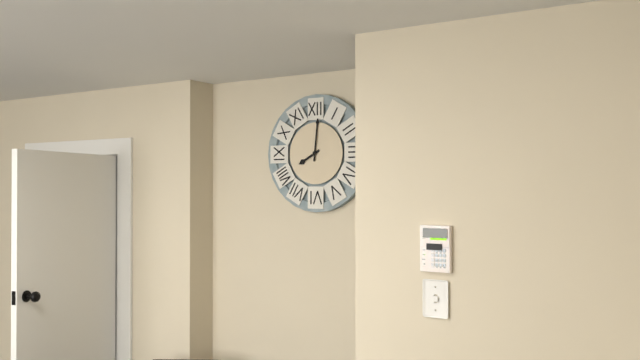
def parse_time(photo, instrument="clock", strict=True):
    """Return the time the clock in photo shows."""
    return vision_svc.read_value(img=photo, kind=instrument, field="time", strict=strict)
8:01
